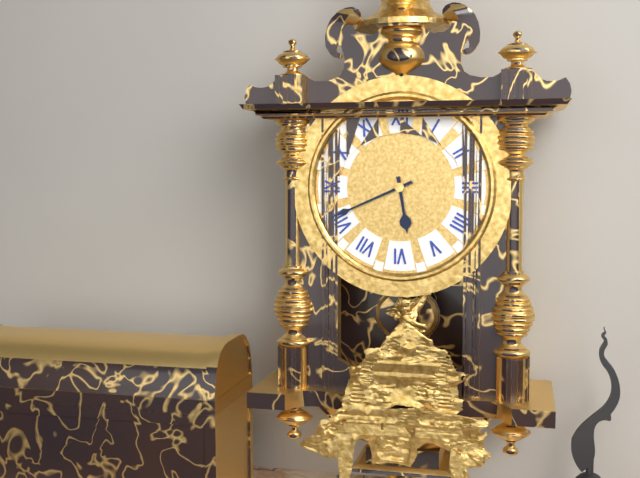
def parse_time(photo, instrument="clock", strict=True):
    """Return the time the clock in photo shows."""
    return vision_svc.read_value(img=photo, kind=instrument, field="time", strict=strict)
5:41
